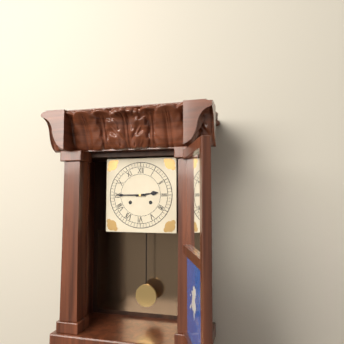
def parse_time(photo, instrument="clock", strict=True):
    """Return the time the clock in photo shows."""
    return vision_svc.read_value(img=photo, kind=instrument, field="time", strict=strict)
2:45
